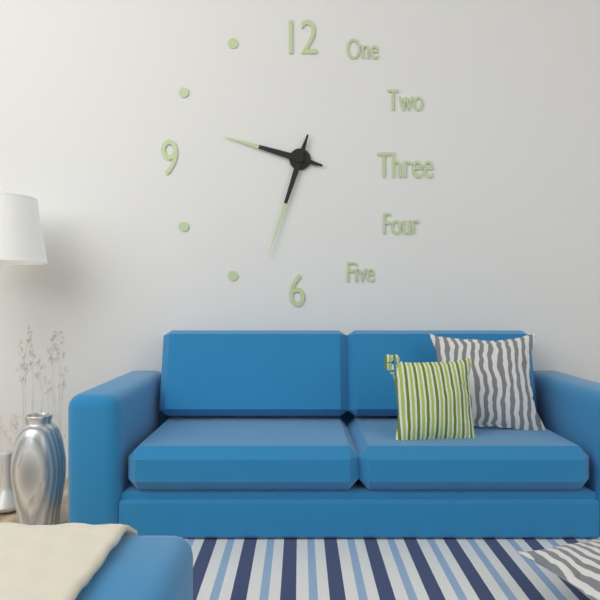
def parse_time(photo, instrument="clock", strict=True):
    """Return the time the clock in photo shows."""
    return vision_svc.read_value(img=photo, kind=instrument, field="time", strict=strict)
9:33
